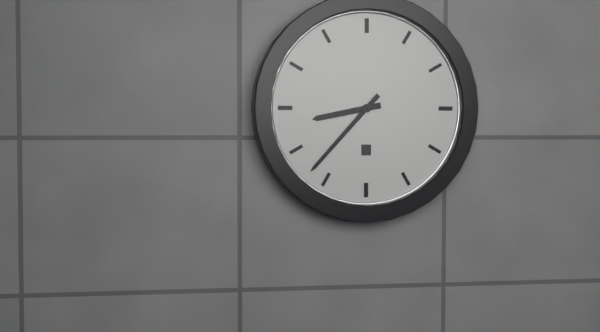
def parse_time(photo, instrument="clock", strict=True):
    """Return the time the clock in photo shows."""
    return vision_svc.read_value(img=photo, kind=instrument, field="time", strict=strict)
8:37
